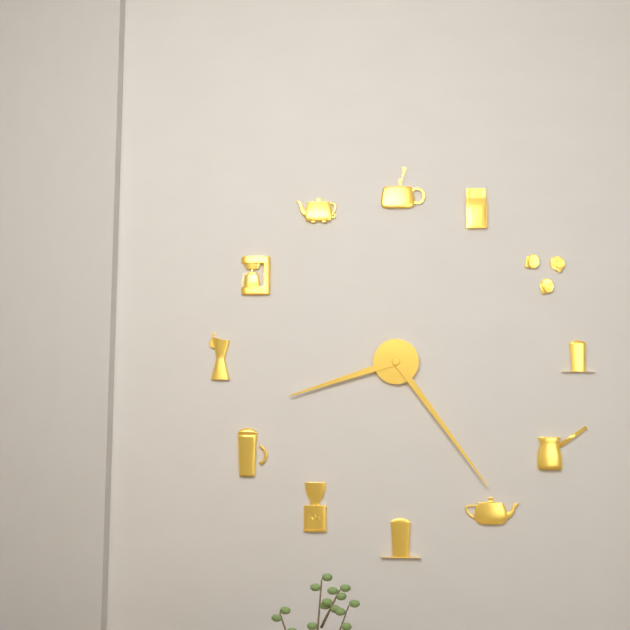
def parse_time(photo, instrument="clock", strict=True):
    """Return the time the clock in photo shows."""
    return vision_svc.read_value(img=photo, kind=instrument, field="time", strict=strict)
8:24
